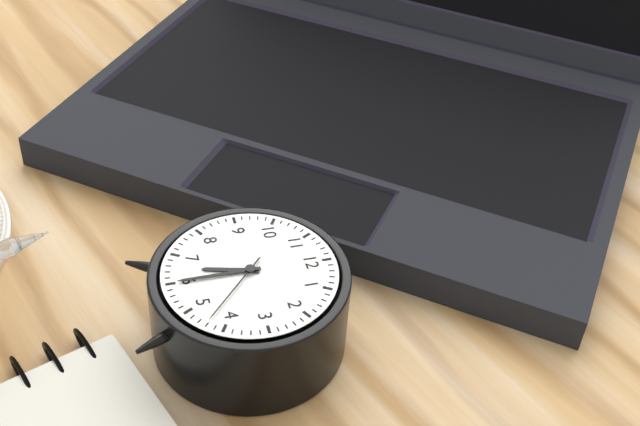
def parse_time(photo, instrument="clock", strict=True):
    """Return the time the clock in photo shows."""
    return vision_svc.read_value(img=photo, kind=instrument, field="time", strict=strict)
6:30:22
